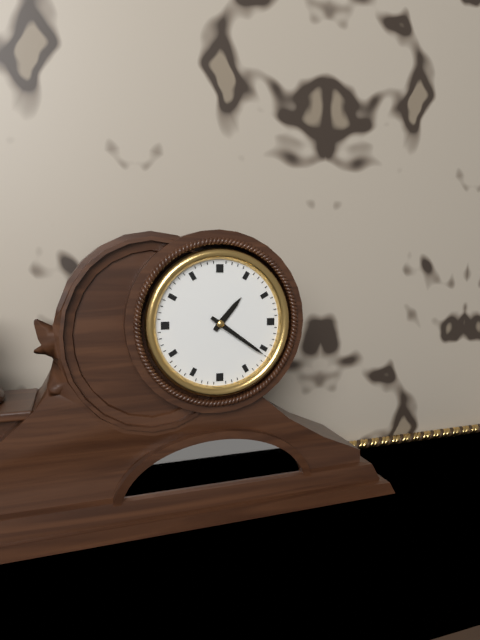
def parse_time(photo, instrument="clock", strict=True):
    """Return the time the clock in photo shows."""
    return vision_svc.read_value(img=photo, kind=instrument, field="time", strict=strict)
1:21
